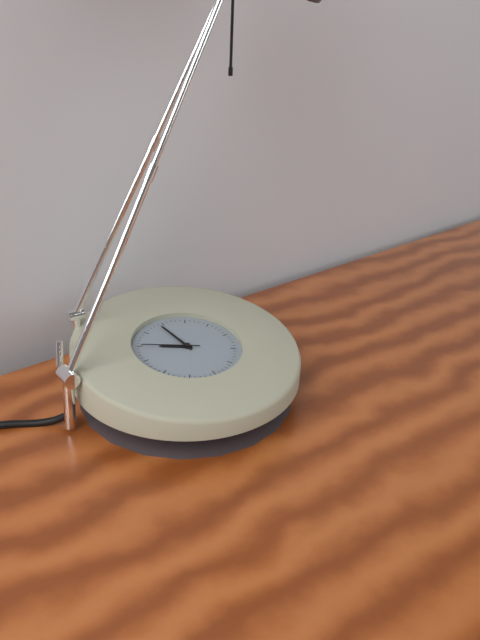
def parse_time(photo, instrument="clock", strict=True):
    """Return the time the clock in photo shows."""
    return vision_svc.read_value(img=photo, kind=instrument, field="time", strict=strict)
9:59:50
